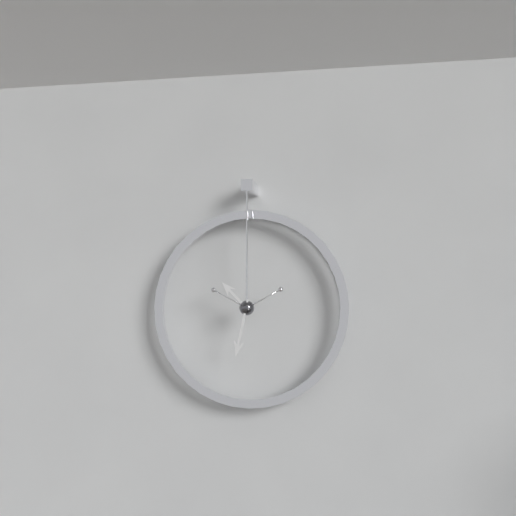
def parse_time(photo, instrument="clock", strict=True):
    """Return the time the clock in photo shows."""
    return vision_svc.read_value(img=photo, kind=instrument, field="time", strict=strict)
10:32
